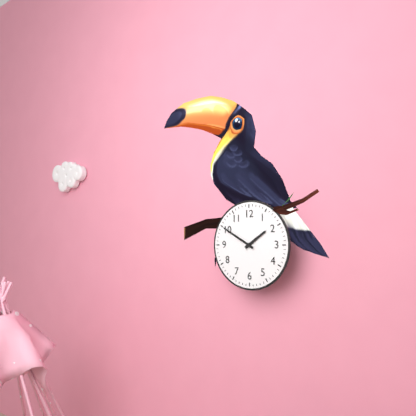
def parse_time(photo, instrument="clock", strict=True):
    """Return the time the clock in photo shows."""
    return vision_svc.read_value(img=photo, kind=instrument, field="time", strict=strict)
1:50
